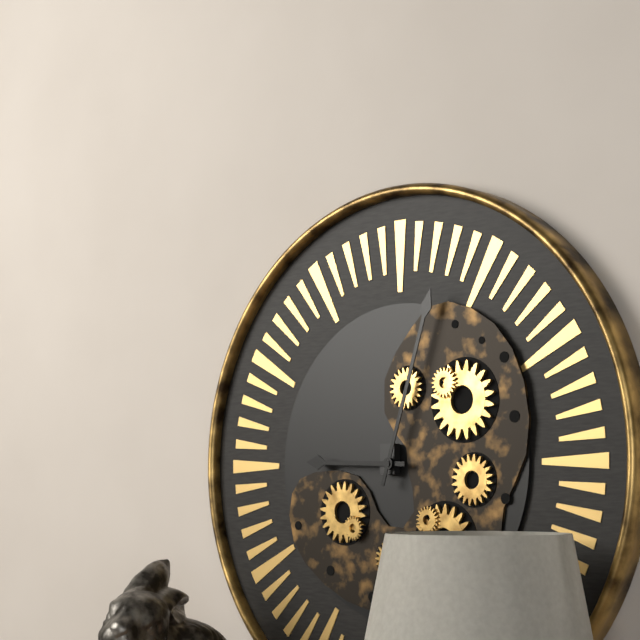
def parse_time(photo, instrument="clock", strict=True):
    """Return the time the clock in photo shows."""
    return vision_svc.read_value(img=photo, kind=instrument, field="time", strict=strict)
9:03
